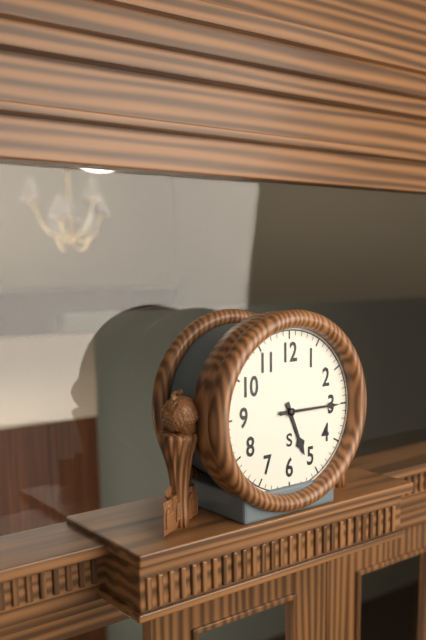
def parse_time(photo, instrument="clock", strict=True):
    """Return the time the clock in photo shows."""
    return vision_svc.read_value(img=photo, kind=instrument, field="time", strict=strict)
5:15
